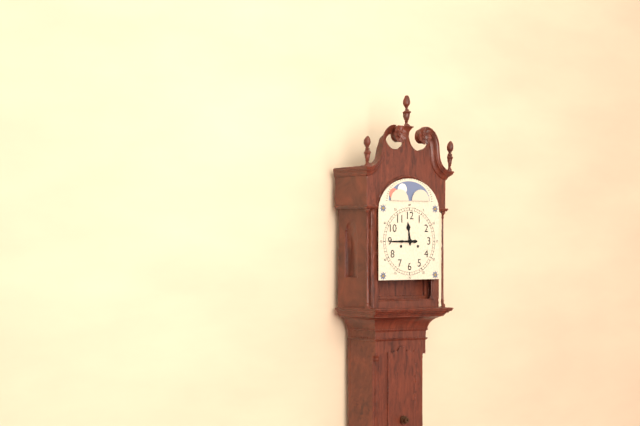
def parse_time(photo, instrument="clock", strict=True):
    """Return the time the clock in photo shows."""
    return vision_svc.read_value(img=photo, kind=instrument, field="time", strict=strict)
11:45
